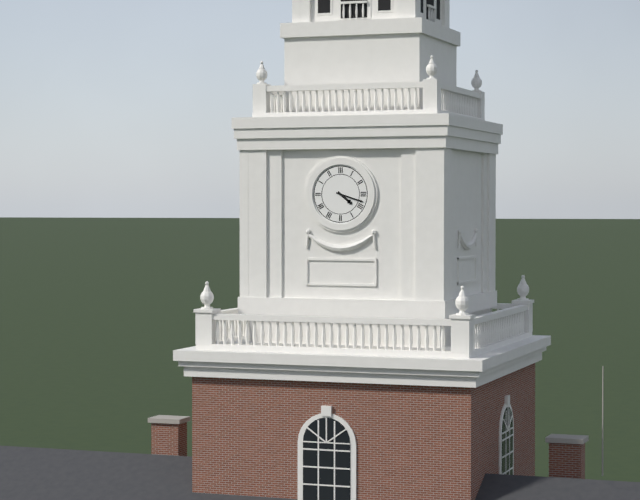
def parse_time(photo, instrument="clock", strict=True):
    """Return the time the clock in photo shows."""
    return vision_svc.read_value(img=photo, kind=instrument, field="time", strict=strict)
4:18
